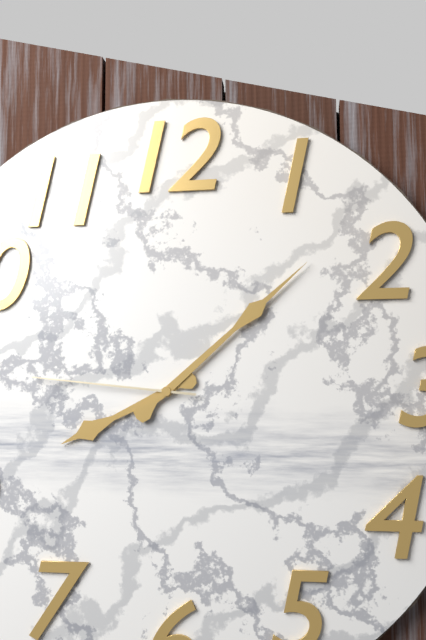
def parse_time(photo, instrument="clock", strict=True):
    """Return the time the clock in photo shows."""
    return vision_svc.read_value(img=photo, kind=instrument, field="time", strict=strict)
8:08:46
